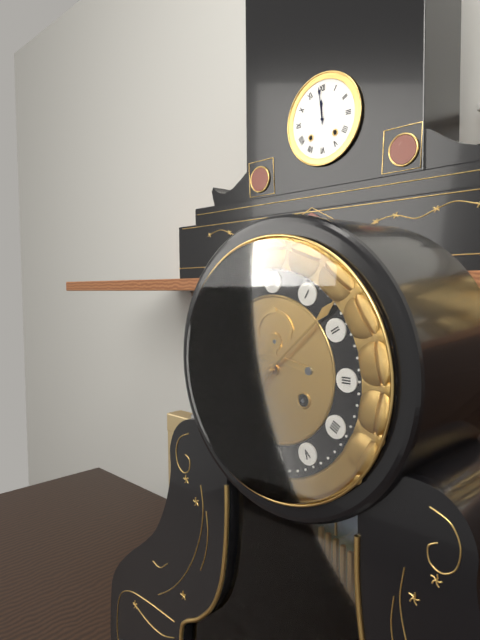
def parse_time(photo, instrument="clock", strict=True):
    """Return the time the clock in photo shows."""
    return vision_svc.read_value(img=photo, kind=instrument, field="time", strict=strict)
7:08
